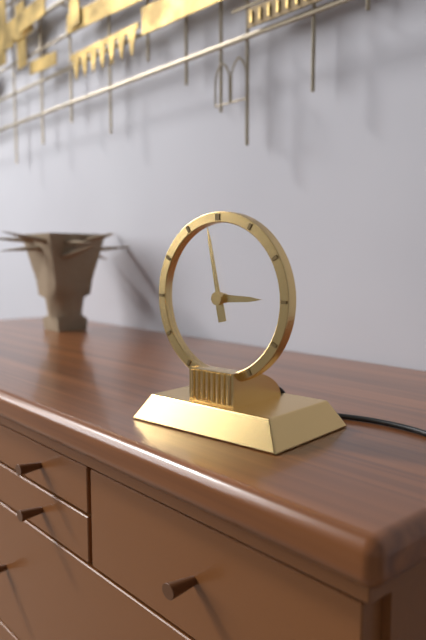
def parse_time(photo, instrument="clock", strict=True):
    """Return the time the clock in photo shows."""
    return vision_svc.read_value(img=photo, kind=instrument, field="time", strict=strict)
2:58
